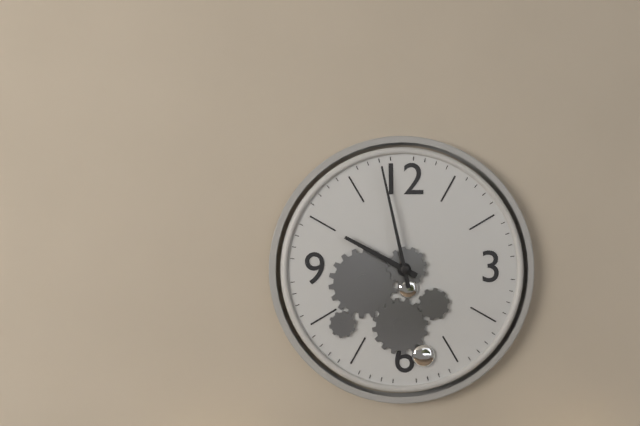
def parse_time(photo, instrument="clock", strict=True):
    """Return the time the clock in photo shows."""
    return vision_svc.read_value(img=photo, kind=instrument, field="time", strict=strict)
9:58
